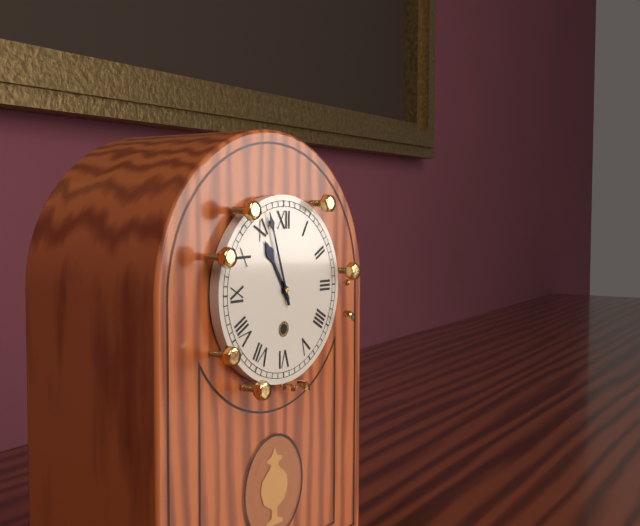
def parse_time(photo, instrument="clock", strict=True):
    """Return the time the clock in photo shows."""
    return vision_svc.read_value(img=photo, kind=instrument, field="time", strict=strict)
10:57
